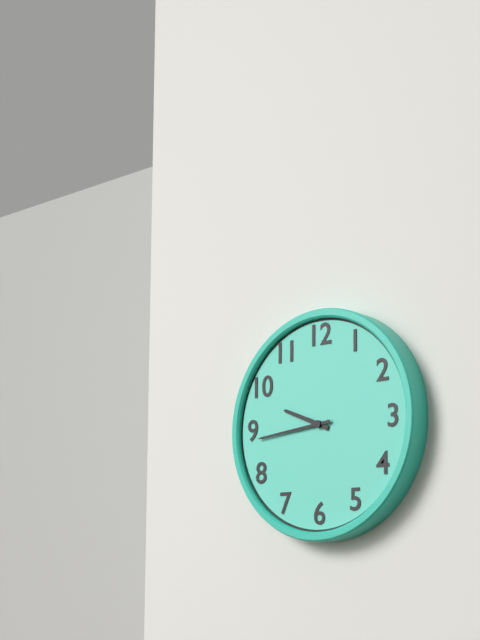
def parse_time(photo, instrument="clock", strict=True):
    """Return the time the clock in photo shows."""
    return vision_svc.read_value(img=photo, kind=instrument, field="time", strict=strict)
9:44
